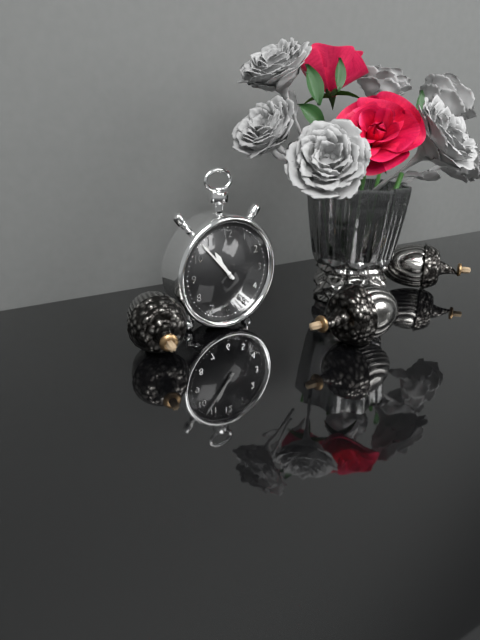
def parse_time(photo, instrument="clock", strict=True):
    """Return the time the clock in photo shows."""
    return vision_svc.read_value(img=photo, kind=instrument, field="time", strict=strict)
10:53
